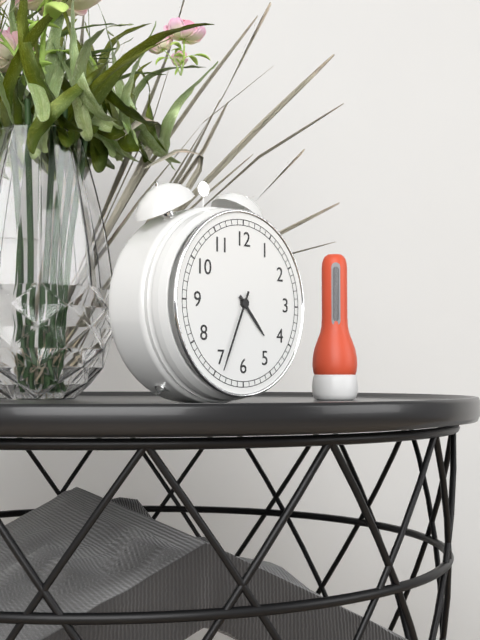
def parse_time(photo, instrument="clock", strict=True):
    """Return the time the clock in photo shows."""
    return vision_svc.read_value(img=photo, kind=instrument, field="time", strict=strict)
4:34
